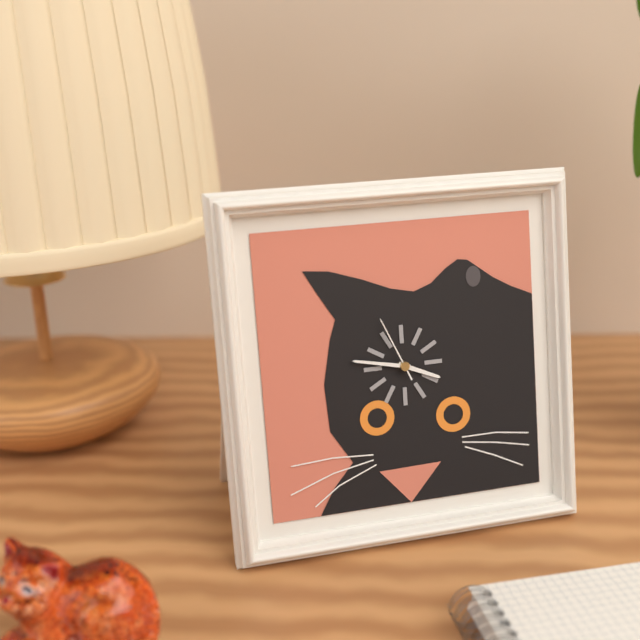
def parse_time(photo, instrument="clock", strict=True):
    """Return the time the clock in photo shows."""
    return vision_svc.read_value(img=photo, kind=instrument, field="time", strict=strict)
3:47:56
